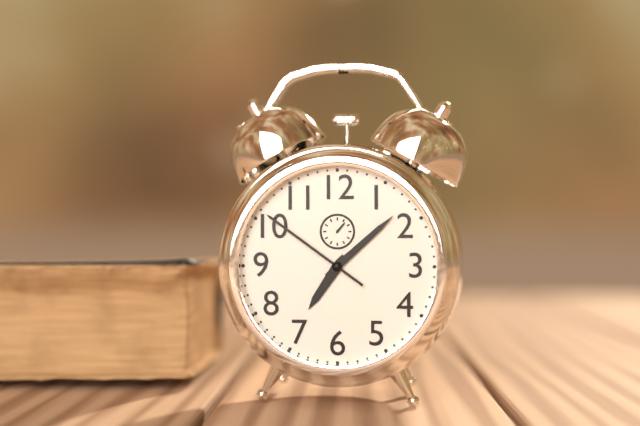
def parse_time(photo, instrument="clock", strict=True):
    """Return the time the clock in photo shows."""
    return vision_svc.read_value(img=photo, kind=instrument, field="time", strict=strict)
7:08:51
